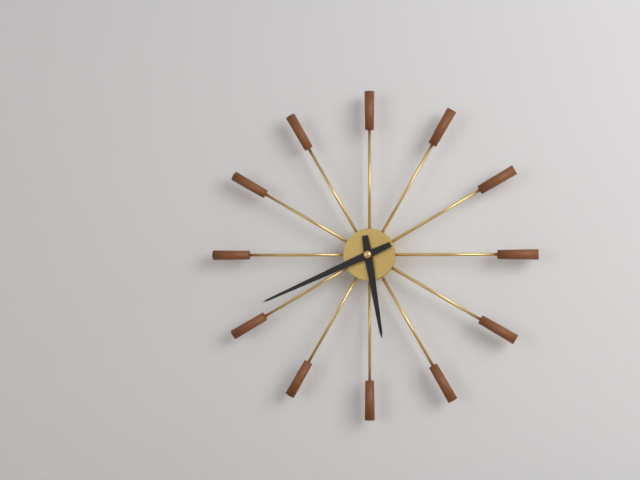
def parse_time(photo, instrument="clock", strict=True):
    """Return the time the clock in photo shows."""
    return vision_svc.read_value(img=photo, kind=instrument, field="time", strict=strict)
5:41
